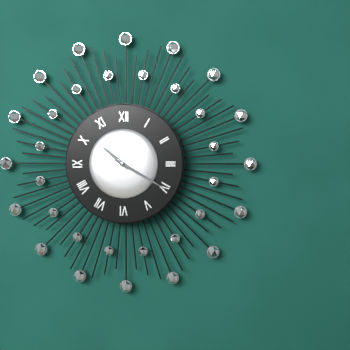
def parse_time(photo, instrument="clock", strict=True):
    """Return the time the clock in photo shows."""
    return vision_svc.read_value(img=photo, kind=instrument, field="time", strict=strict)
10:20
